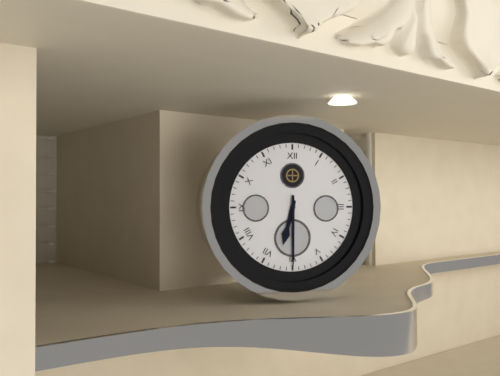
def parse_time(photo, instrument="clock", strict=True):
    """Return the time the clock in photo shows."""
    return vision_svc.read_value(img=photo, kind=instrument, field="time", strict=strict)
6:30
